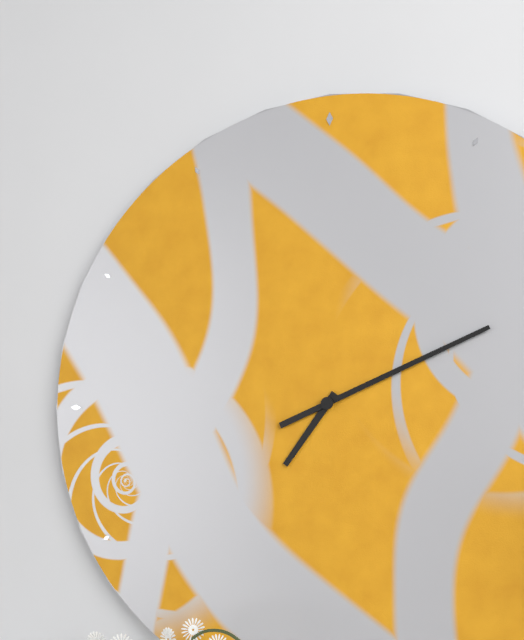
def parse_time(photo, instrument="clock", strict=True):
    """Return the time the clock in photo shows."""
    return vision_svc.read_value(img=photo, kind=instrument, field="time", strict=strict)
7:11
